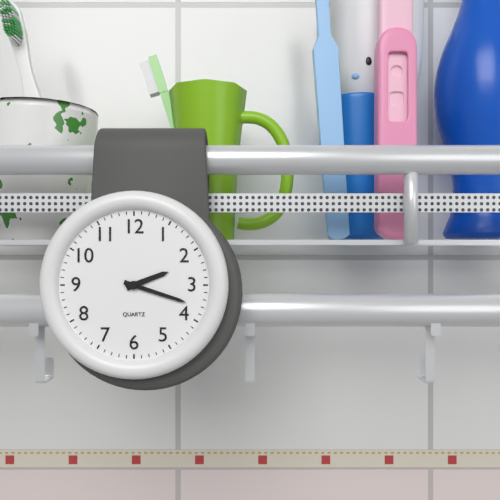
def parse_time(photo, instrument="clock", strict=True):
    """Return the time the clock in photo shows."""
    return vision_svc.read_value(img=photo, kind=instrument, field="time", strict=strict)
2:18
